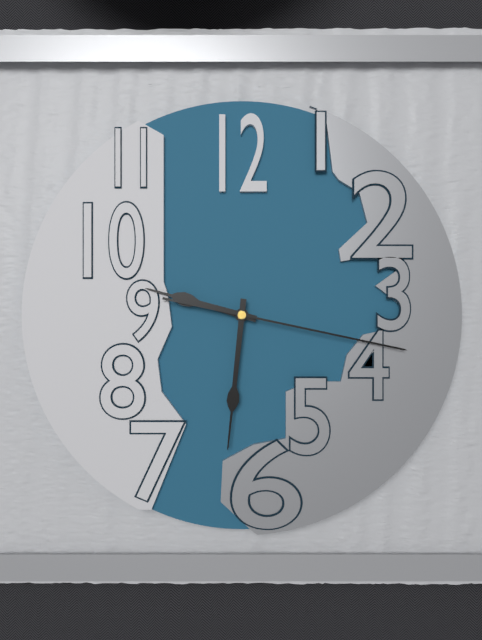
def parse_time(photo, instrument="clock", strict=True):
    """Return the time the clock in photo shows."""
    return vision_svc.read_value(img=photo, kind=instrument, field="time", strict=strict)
9:31:17
